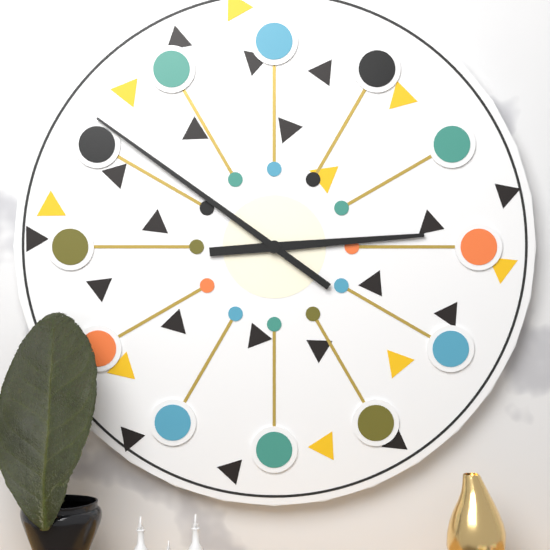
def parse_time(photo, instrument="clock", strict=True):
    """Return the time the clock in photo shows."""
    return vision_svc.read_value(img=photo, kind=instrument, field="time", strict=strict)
2:51
